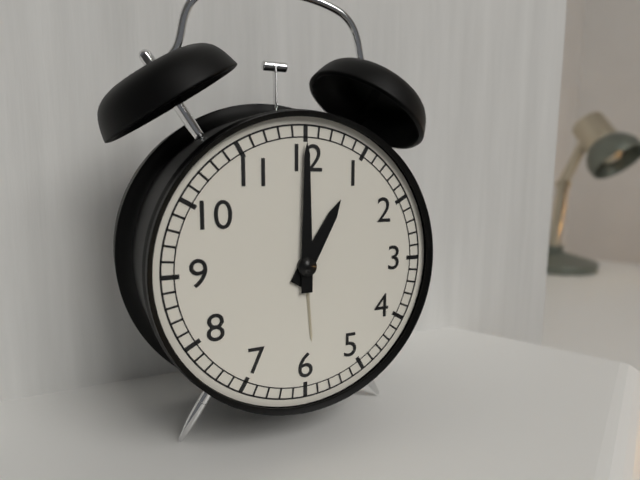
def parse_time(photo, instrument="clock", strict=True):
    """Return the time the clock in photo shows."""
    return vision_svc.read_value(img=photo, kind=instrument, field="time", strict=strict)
1:00
